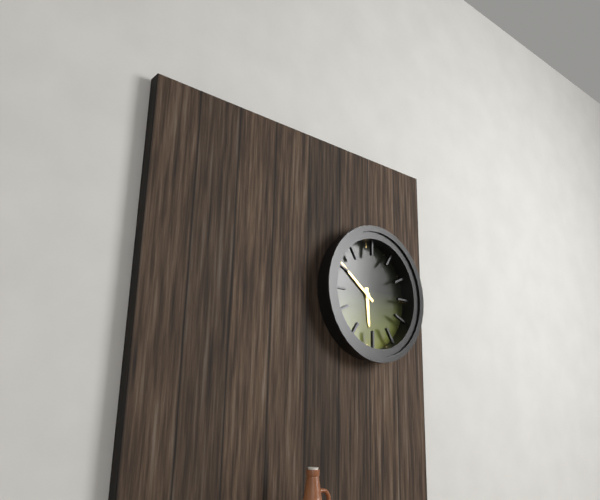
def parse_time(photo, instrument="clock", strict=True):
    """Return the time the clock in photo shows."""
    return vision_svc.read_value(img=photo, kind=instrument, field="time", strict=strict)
5:51
